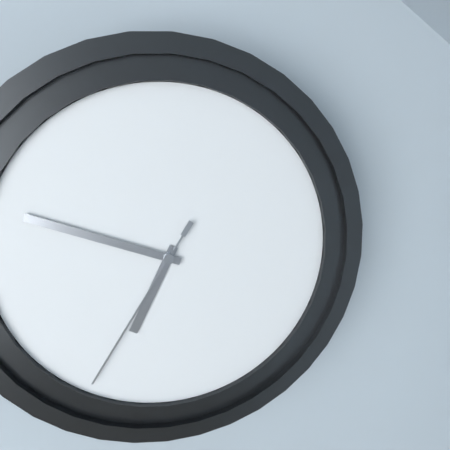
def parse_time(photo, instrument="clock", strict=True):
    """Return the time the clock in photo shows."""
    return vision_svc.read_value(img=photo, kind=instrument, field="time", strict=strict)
6:48:35
